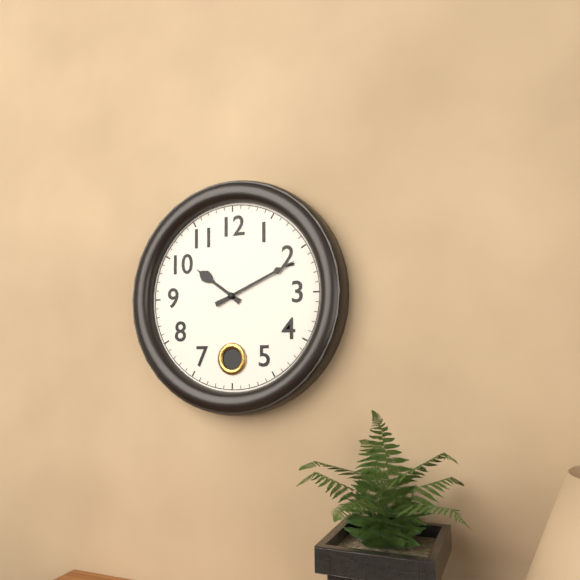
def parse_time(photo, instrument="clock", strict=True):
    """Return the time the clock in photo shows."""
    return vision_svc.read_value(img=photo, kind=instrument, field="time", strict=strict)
10:11
